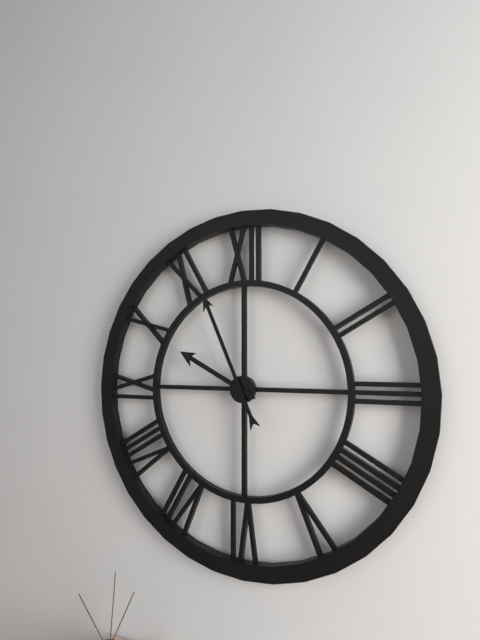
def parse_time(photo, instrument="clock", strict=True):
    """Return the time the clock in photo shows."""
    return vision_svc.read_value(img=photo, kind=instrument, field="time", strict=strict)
9:56
